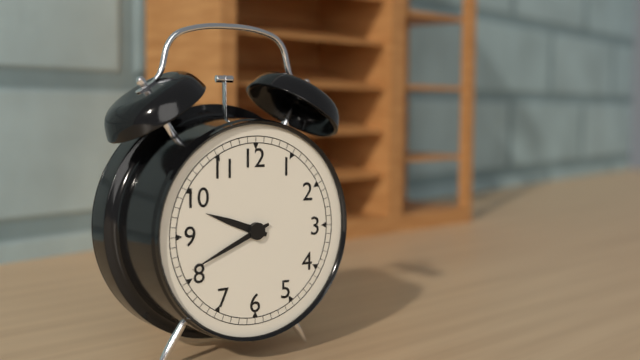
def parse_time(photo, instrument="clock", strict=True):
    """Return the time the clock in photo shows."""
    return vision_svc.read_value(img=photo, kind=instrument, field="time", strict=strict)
9:41
